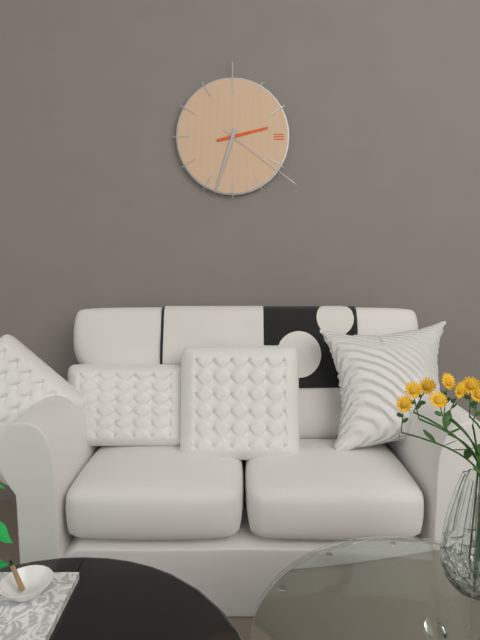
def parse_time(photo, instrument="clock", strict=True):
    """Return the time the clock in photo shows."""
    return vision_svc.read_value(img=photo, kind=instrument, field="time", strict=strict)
2:33:21
